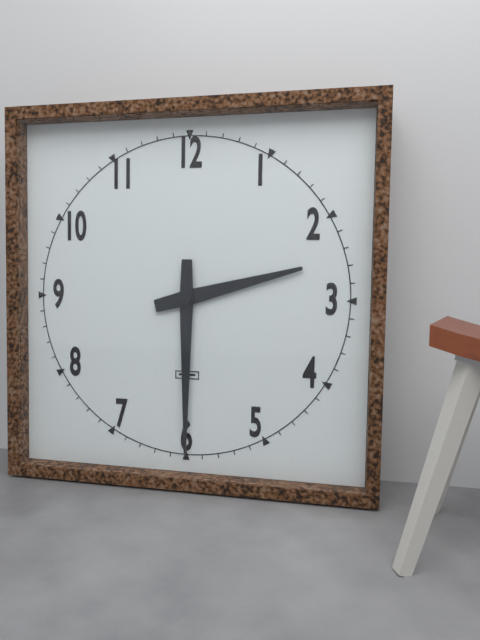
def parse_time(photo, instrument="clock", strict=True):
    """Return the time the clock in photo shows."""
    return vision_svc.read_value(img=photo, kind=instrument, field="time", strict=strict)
2:30
